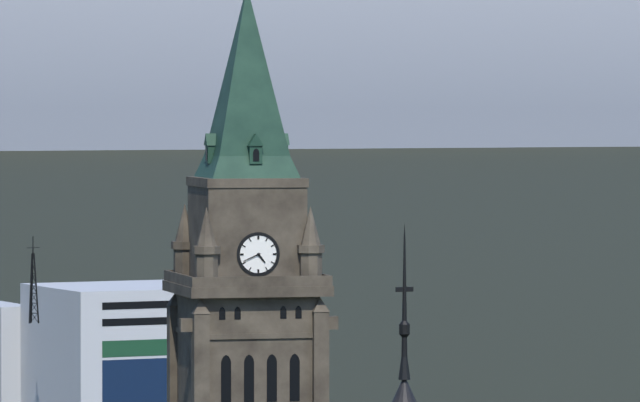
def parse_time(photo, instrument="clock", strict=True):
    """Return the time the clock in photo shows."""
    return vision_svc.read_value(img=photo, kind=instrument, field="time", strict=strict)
4:41
